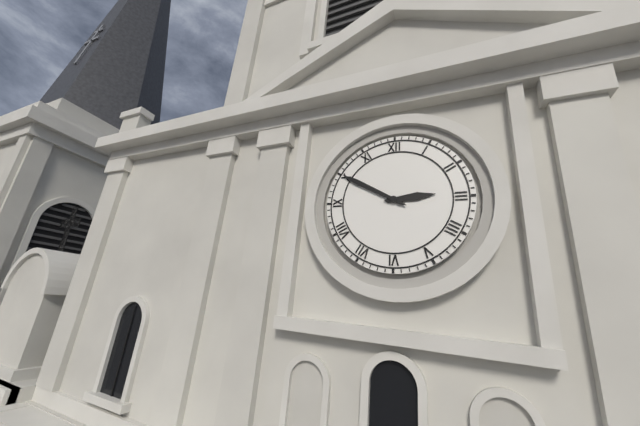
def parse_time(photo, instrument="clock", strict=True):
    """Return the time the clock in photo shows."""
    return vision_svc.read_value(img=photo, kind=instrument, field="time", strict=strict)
2:50
